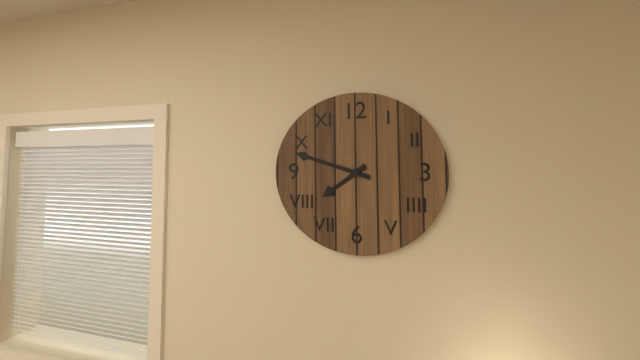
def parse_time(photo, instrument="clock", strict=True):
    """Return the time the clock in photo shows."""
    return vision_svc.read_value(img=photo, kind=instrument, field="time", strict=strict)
7:48
